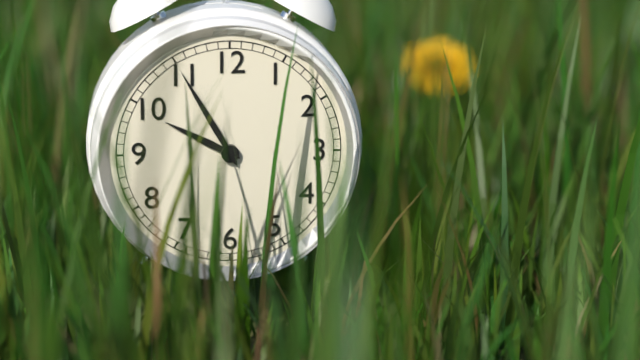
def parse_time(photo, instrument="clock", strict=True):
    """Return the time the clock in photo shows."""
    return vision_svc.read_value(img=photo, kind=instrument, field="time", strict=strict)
9:55
